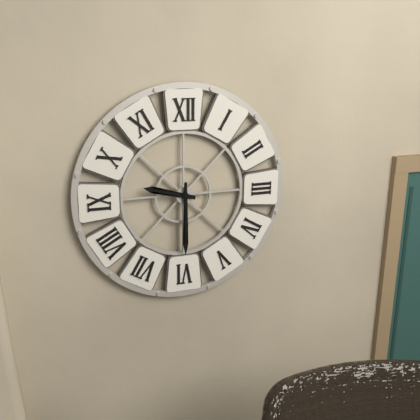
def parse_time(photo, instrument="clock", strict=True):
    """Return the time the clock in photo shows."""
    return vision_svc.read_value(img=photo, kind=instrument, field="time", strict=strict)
9:30
